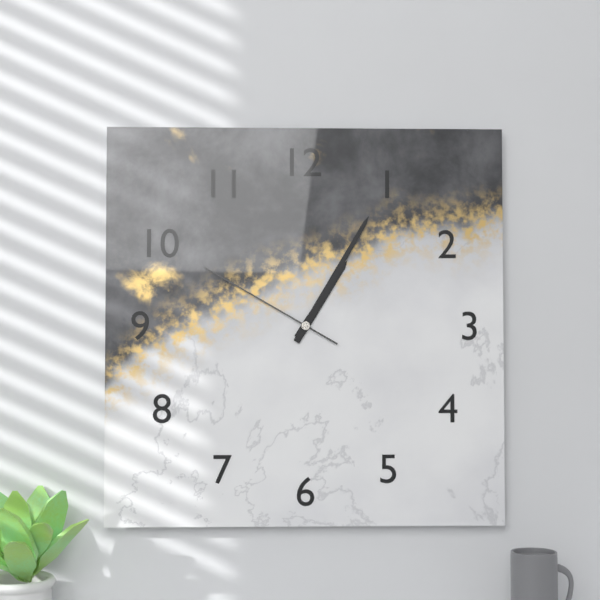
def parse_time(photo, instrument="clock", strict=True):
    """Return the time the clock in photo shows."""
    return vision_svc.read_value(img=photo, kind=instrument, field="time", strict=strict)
1:05:50
